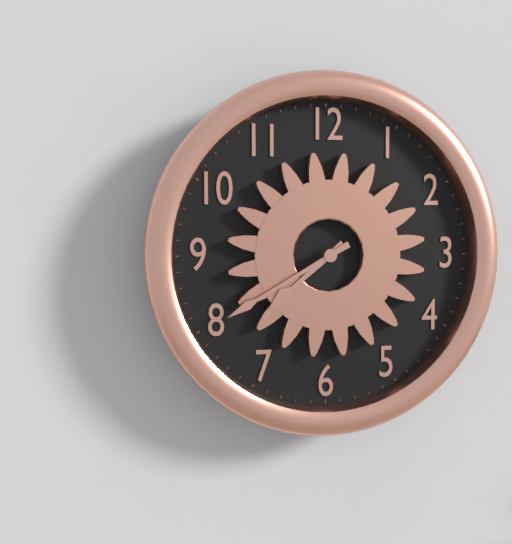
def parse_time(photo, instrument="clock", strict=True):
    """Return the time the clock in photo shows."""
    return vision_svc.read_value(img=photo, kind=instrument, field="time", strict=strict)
7:40
